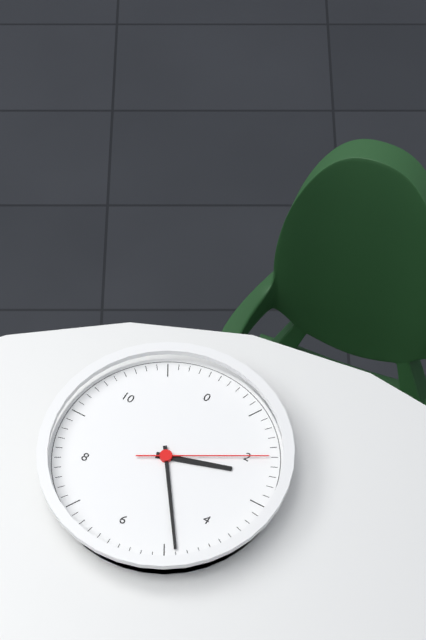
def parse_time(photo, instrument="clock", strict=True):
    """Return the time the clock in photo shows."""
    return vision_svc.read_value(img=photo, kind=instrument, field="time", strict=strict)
2:24:10
